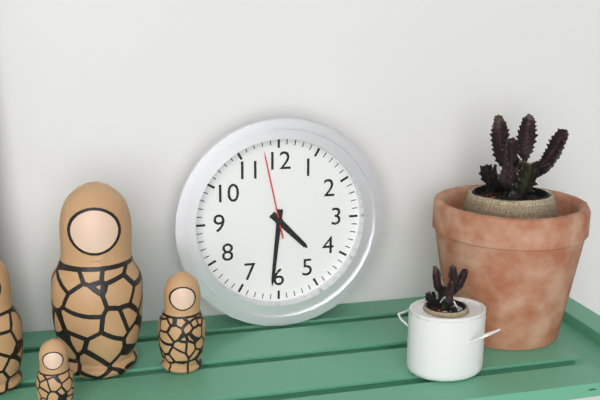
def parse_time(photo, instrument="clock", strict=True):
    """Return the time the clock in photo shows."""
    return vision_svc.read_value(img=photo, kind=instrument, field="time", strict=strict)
4:31:58
